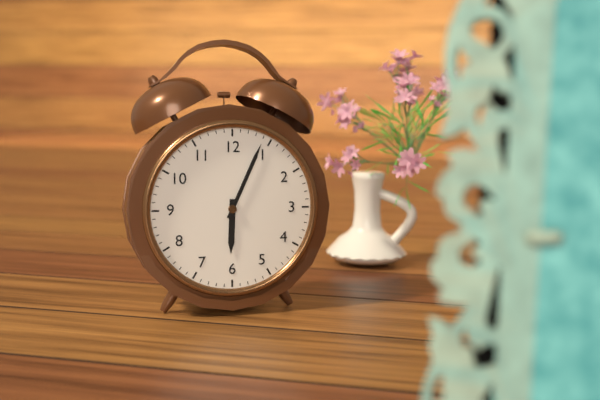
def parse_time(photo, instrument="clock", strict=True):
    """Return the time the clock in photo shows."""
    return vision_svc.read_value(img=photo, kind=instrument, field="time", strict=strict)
6:04
